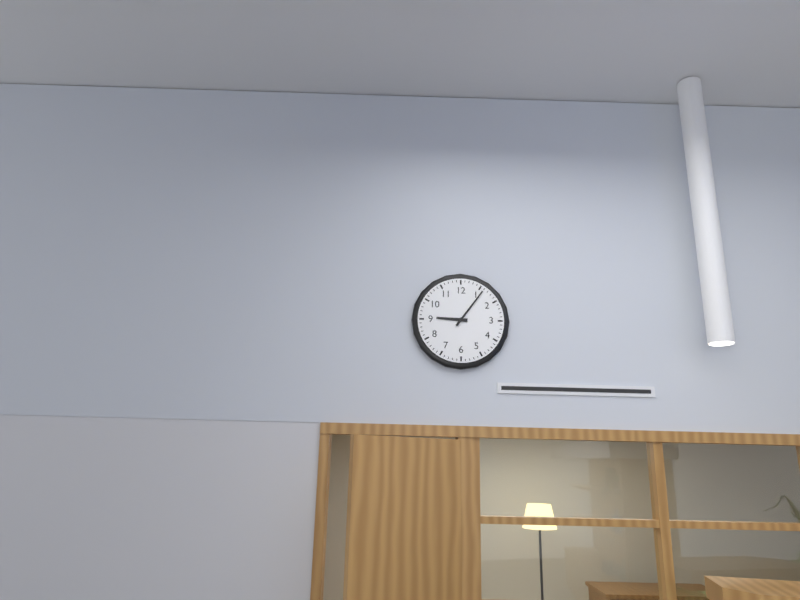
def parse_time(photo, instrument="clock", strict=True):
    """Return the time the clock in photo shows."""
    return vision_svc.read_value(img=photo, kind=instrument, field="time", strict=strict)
9:06
